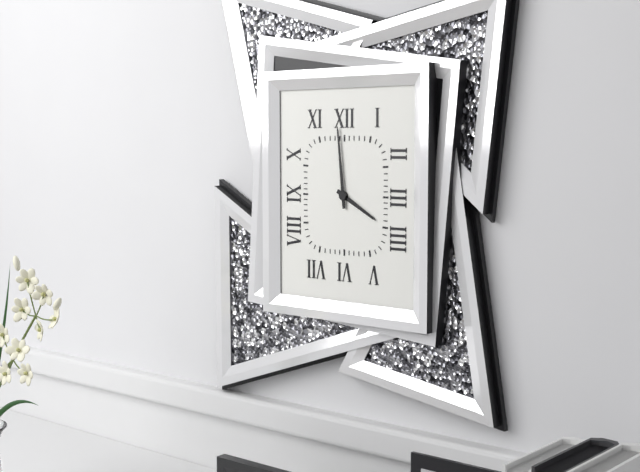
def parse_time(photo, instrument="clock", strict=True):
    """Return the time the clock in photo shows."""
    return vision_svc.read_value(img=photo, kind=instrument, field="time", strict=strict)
3:59
